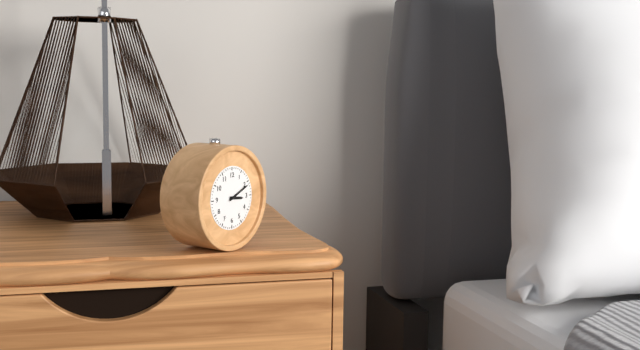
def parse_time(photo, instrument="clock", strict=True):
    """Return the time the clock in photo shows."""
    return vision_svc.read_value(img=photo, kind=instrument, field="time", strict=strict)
3:11
